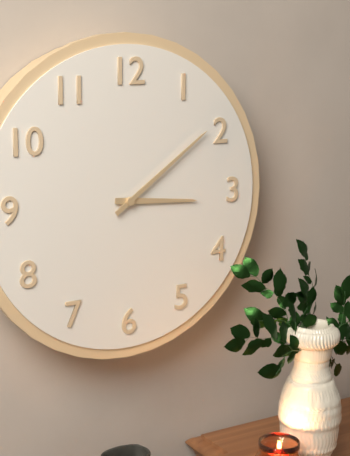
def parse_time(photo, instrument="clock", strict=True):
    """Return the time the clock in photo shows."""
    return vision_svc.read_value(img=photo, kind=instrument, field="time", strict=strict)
3:09
